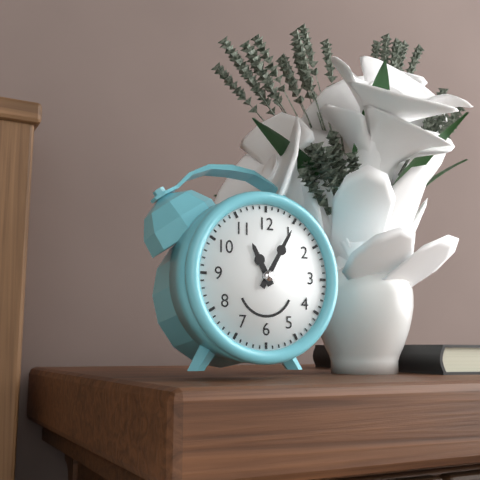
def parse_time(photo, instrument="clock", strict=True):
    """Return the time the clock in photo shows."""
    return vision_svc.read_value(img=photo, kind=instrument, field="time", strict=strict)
11:05
